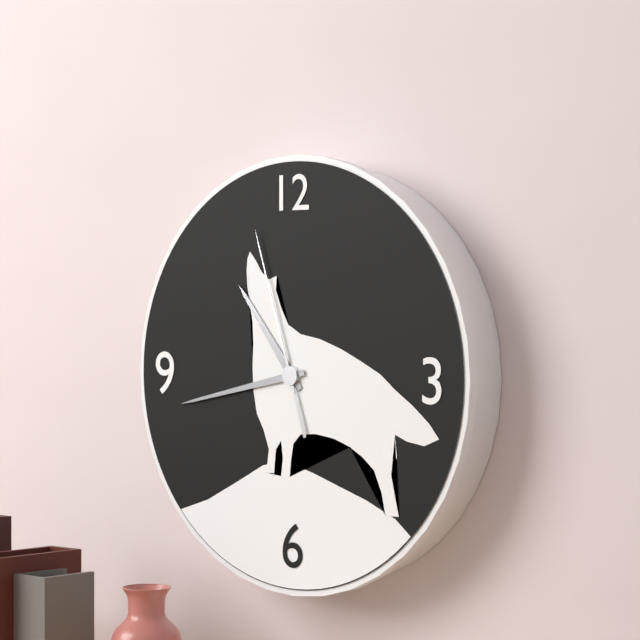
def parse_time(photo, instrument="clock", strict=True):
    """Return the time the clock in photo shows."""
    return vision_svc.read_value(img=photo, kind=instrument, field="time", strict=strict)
10:43:57
